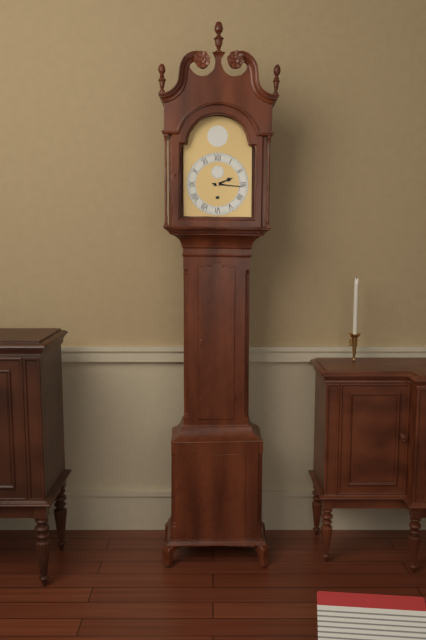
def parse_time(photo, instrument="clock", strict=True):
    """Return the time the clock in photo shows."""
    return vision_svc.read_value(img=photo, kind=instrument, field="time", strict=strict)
2:16
